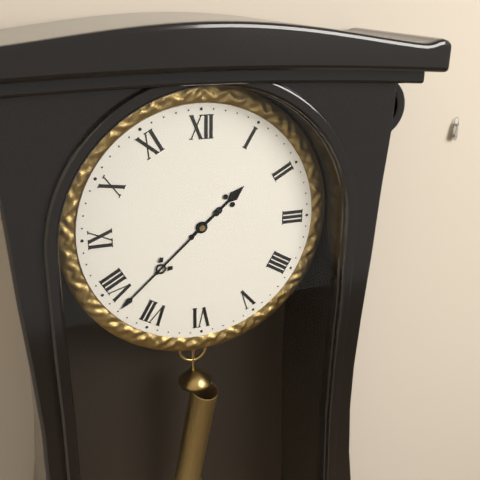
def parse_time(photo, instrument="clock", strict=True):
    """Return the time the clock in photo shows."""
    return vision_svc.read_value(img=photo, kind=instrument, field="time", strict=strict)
1:38
